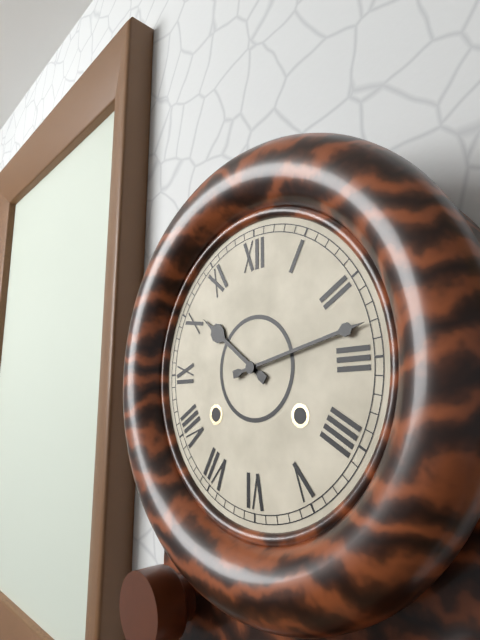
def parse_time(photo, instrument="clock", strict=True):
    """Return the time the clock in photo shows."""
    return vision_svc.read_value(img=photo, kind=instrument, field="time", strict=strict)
10:13
